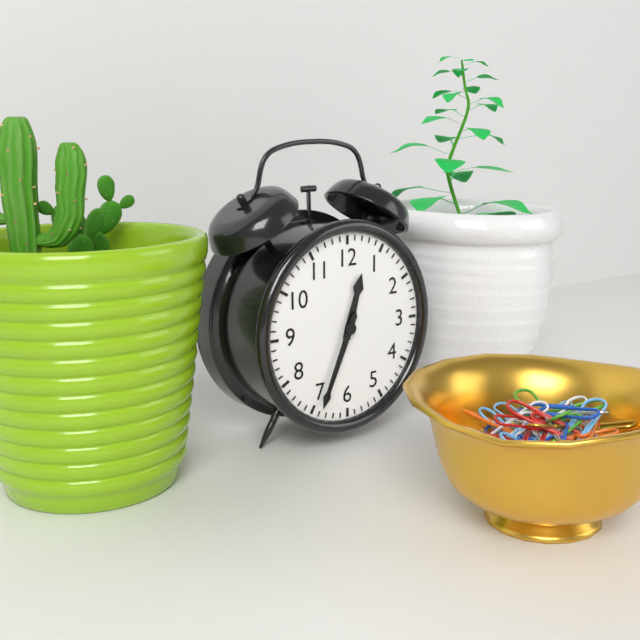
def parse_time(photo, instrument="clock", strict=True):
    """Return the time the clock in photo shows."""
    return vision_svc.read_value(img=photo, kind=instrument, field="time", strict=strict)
12:34
